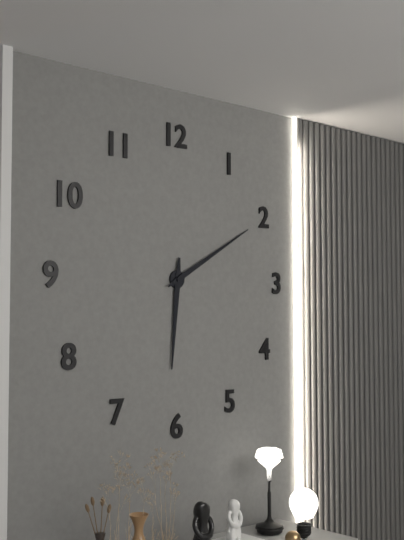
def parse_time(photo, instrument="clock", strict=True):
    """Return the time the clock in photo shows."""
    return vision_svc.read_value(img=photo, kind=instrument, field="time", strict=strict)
6:10
